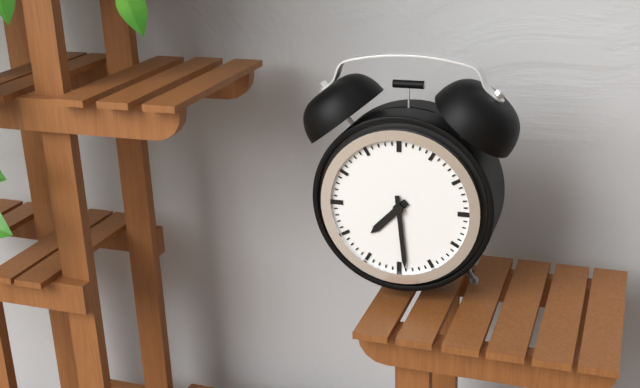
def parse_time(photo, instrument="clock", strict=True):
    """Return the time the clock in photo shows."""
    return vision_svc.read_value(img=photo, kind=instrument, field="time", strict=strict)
7:29
